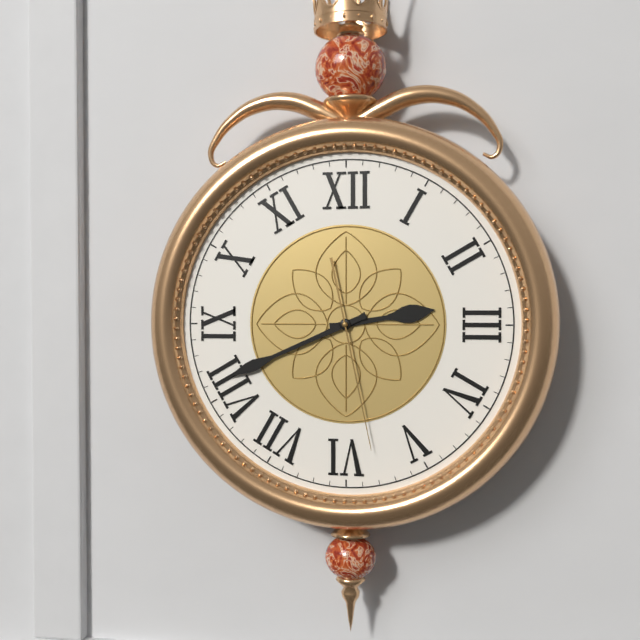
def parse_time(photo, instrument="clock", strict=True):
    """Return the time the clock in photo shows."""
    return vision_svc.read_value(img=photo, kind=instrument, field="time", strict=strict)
2:41:28
